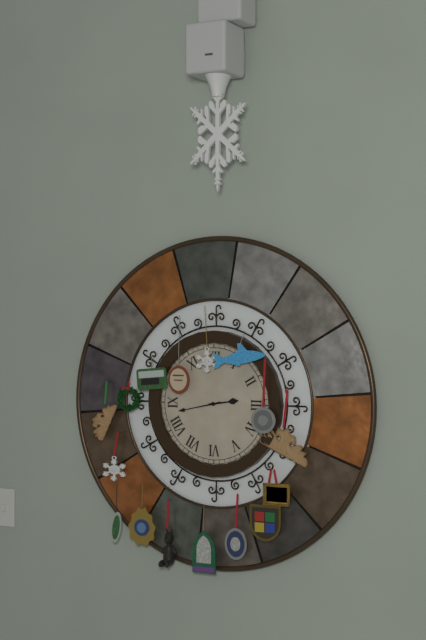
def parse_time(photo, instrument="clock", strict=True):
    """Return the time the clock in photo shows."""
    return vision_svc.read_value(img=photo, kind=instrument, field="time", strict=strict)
2:43
